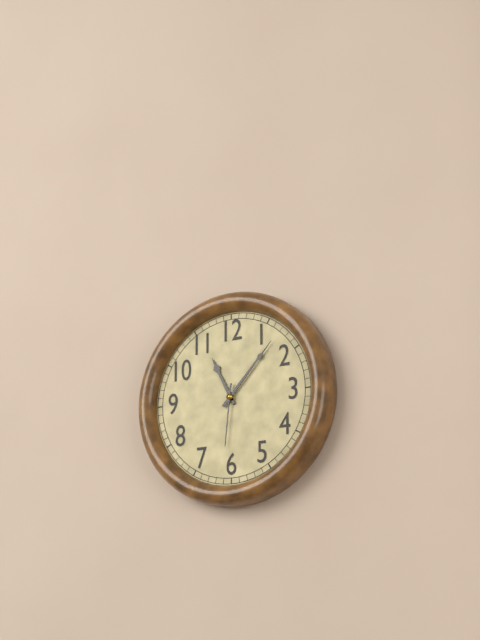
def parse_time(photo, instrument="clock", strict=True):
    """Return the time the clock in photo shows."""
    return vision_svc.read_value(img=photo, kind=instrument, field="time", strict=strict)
11:07:31
